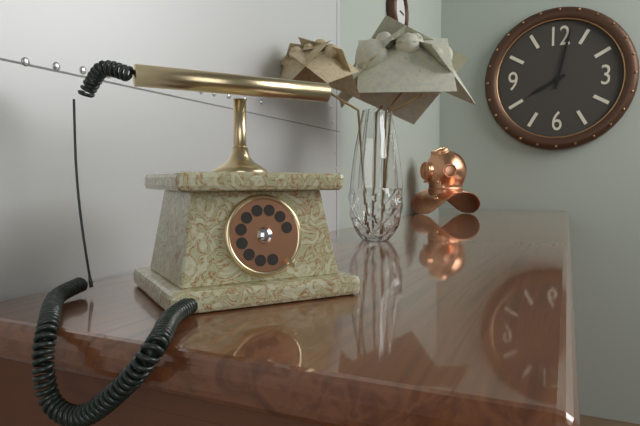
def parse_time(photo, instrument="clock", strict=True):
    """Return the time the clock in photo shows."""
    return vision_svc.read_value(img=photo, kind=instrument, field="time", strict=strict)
8:02
